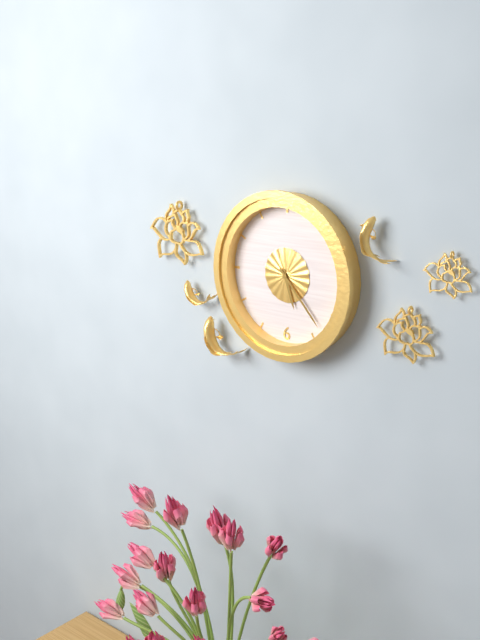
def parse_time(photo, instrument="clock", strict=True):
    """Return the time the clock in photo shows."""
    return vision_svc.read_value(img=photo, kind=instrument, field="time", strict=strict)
5:23
